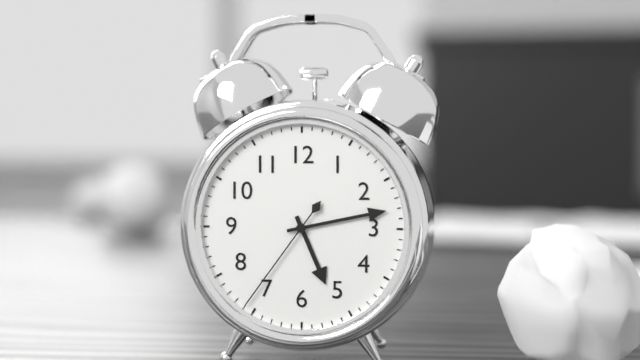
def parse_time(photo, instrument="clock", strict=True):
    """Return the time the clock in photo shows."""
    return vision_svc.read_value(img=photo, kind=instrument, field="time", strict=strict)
5:13:36
